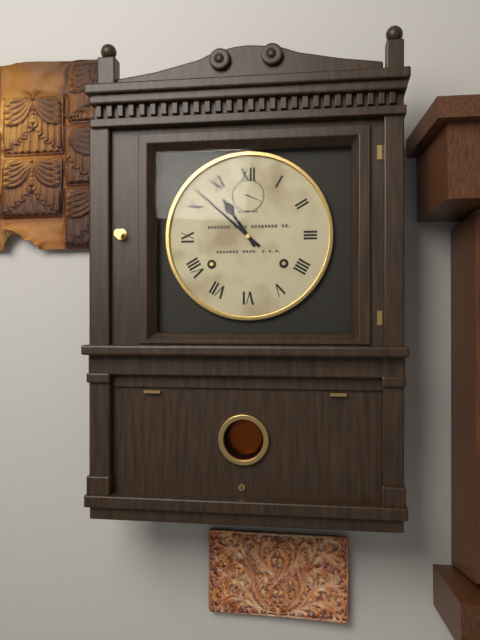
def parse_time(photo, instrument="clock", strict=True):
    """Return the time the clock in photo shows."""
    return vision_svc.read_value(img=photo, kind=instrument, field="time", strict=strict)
10:52
